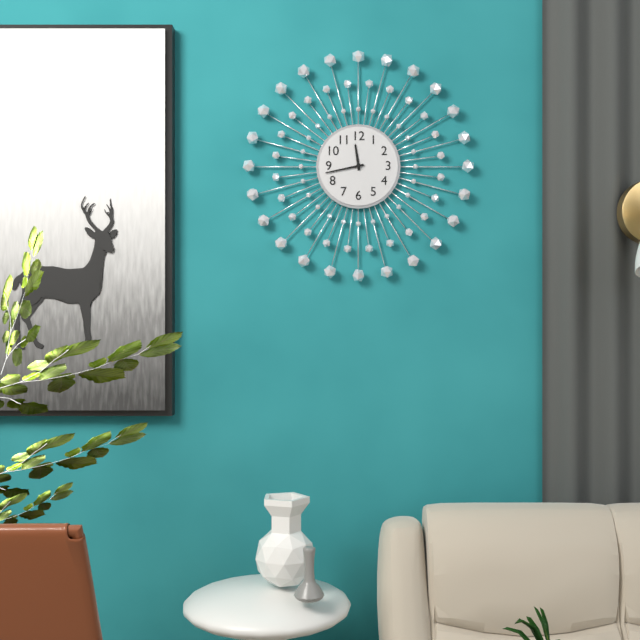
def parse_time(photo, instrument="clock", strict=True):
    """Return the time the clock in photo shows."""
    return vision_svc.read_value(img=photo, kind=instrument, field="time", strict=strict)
11:43
